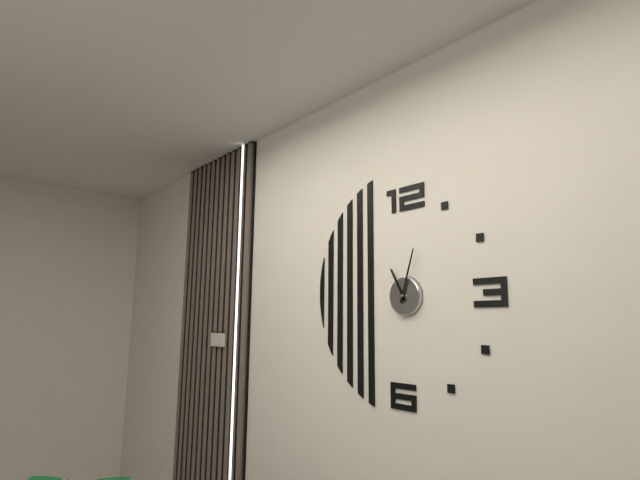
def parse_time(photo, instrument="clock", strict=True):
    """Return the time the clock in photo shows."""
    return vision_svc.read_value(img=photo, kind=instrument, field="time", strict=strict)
11:03
